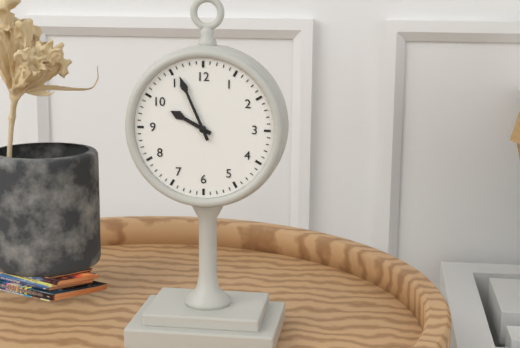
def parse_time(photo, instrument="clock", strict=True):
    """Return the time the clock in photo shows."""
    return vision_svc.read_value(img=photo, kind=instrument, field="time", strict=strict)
9:56
